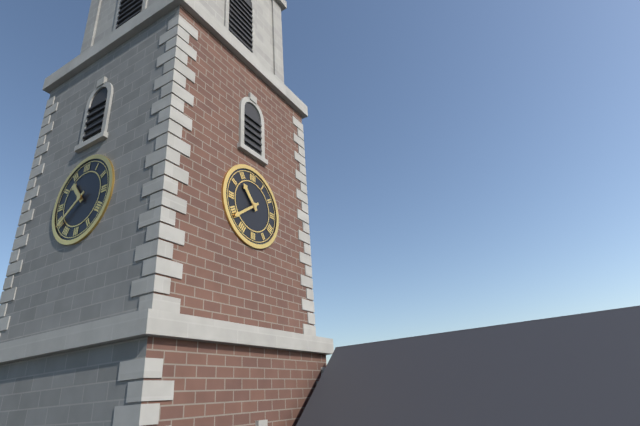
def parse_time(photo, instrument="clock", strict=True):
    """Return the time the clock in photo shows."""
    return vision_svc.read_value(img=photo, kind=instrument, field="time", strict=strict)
10:39
